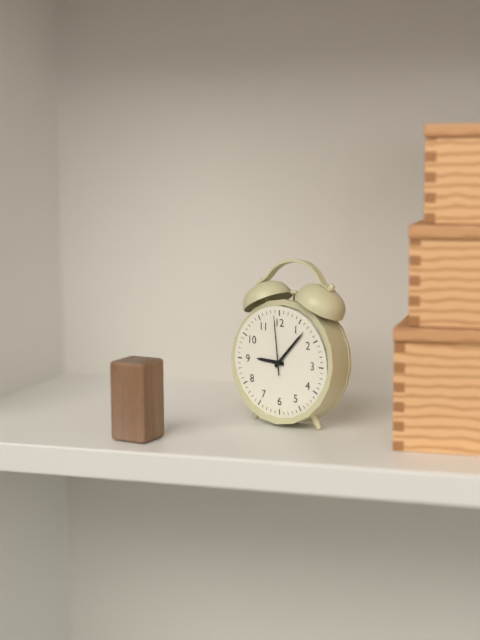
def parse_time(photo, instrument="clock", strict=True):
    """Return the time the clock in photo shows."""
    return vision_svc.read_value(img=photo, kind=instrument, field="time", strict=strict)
9:07:59
